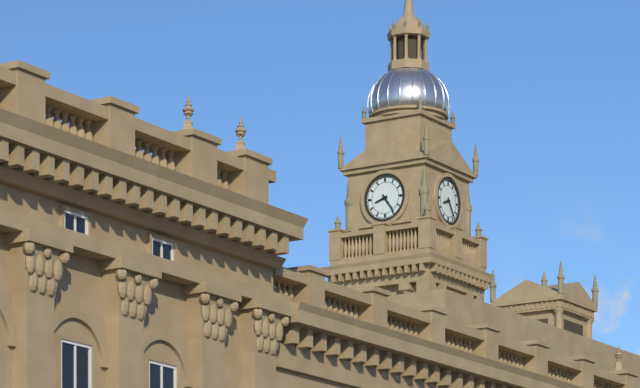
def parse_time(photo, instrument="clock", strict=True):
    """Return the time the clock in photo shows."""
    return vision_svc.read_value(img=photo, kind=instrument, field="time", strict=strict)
8:24
